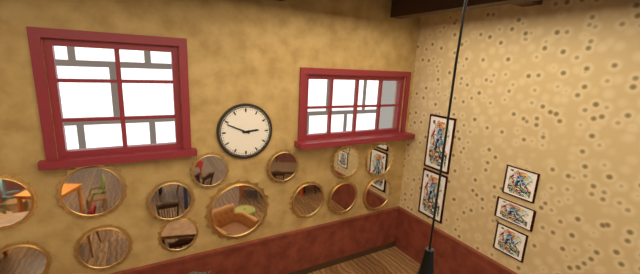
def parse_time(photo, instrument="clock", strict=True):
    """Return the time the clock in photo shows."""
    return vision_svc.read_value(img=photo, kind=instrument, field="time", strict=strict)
2:49
